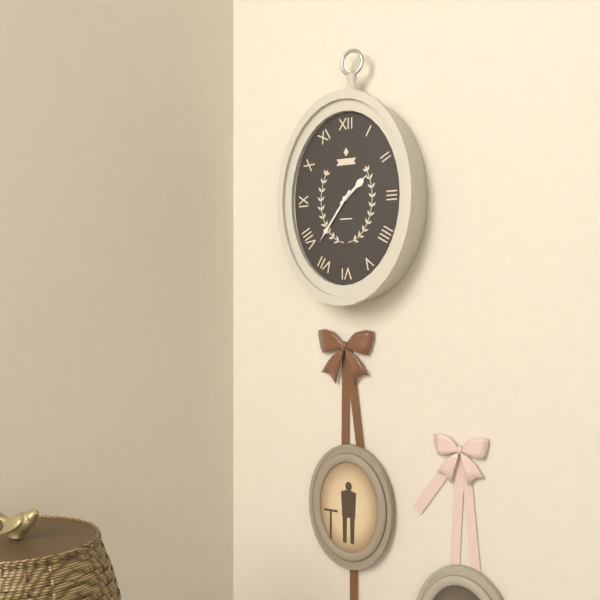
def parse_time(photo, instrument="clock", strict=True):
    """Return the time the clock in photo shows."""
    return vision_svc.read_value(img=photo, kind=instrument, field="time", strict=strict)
1:36
